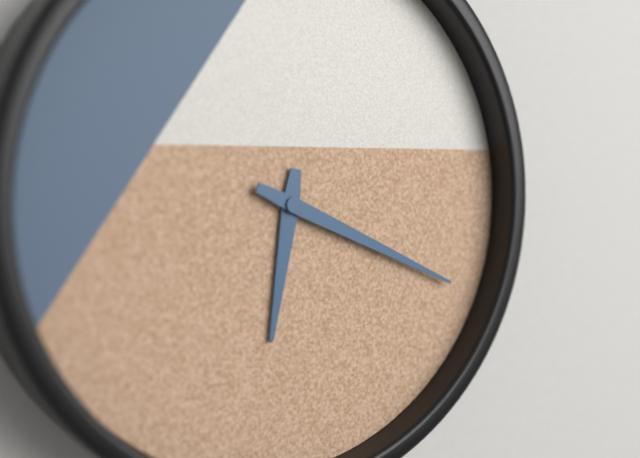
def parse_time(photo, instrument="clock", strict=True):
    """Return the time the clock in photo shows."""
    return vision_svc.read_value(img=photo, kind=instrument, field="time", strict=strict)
6:19
